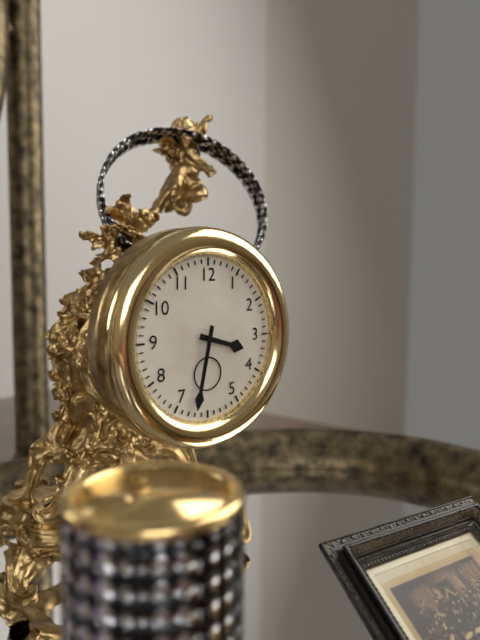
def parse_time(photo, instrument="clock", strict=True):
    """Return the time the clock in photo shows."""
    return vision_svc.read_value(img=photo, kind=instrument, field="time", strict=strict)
3:32
